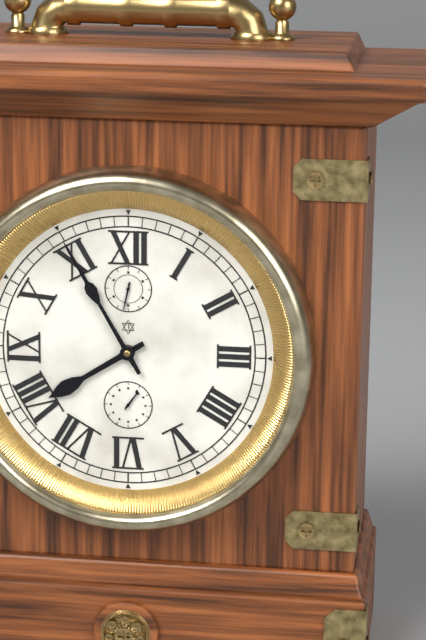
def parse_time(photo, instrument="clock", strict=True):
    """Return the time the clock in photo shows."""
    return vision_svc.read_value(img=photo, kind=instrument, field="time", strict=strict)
7:55
